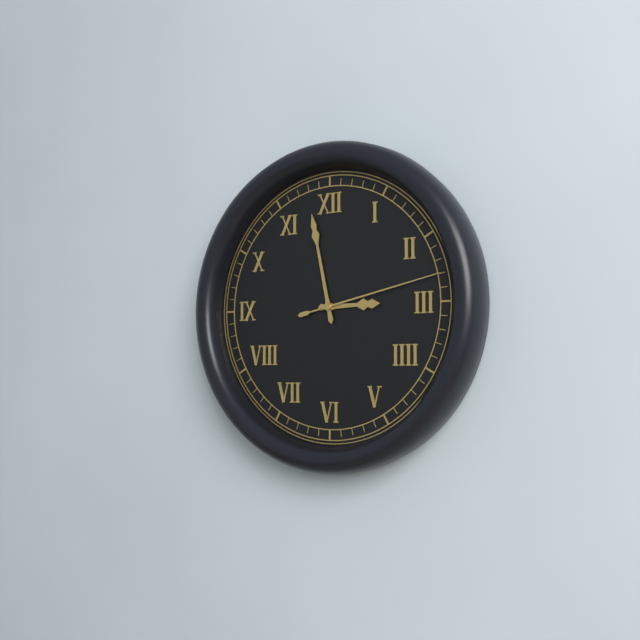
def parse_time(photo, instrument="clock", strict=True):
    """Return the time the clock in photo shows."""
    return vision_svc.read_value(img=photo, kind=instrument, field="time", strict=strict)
2:58:13
